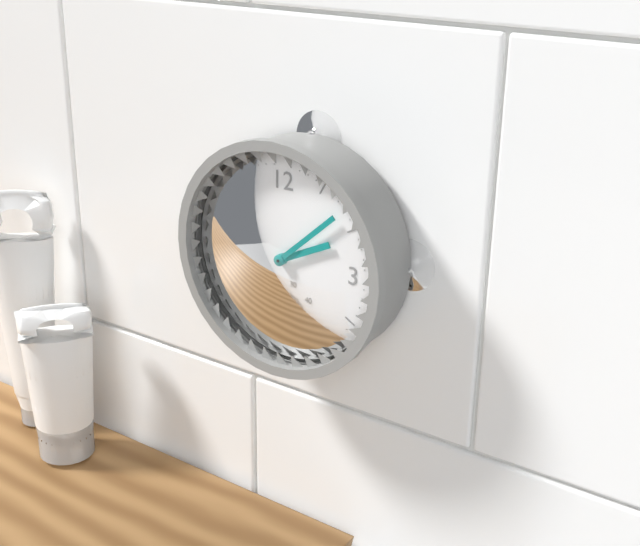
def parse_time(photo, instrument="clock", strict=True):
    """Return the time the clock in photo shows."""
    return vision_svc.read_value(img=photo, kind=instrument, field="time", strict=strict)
2:08
